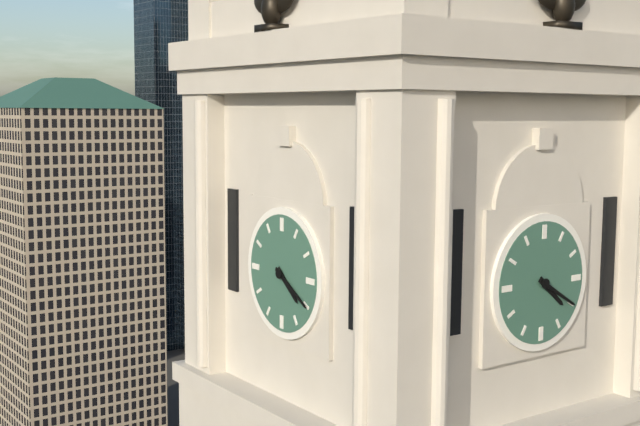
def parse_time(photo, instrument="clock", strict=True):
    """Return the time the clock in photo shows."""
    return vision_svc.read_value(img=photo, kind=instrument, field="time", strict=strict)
4:20
